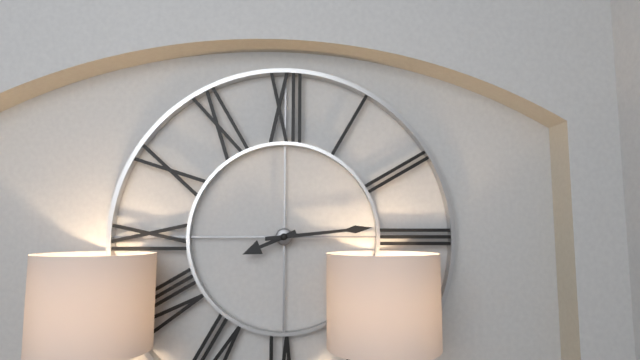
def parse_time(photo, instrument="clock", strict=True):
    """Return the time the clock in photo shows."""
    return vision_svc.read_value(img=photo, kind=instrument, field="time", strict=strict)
8:14
